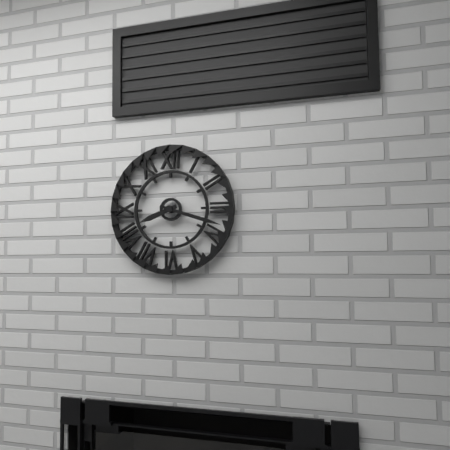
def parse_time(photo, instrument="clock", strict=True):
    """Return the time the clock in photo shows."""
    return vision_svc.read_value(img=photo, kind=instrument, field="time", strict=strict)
8:18
